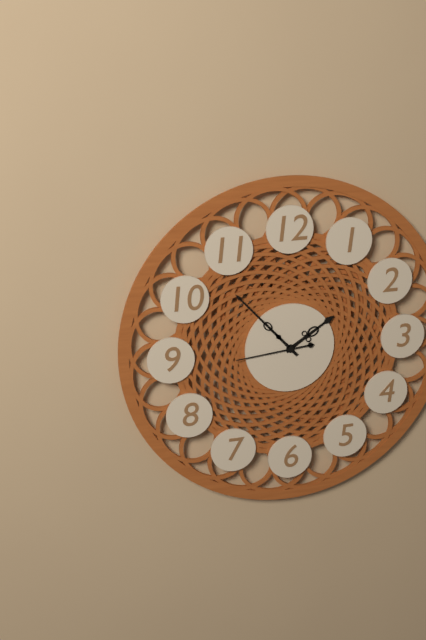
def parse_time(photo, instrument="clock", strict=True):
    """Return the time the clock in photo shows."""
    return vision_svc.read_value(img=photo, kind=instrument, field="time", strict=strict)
1:53:44
